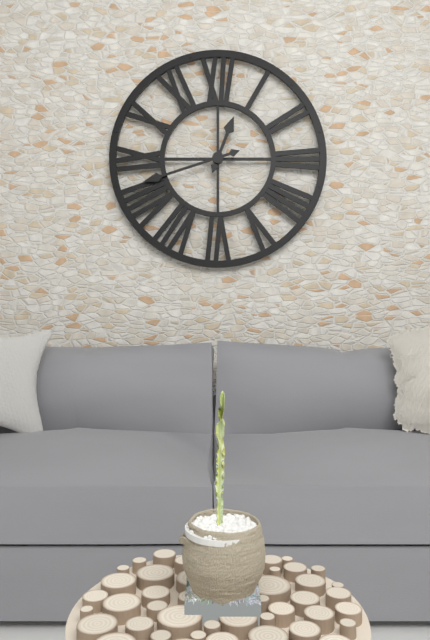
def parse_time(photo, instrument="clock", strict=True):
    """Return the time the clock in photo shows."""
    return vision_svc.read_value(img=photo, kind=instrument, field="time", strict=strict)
12:42
